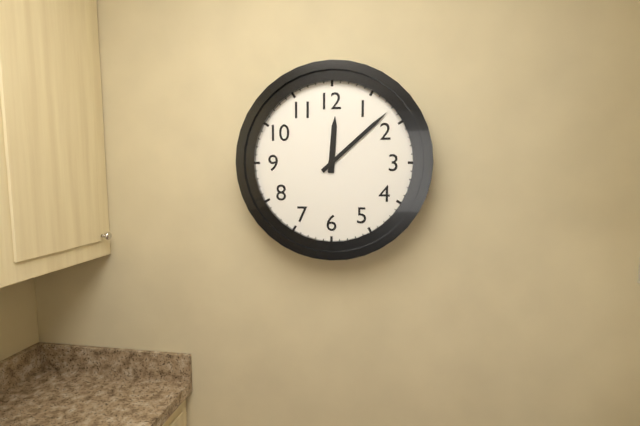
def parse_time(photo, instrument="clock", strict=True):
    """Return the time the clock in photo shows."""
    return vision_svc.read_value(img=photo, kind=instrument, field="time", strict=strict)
12:08
